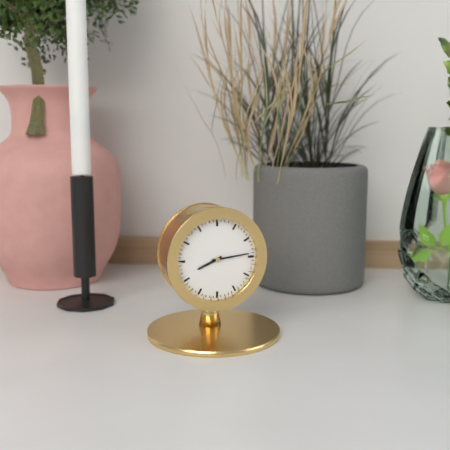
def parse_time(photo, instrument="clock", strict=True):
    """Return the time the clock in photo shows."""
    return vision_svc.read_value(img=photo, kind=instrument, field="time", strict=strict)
8:14
